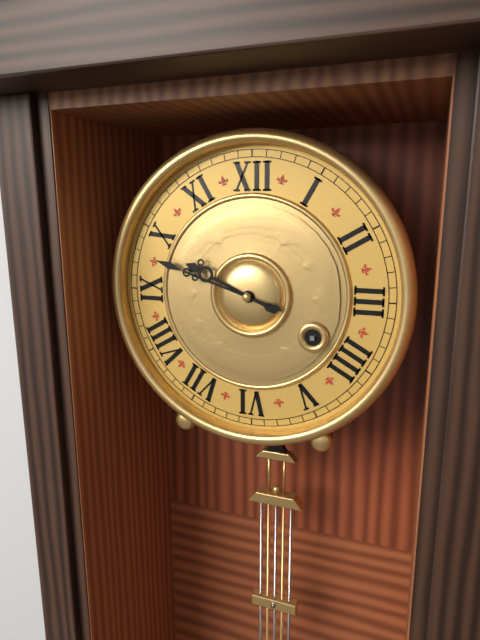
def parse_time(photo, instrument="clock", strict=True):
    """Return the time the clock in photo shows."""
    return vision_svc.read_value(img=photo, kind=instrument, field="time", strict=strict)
9:48
